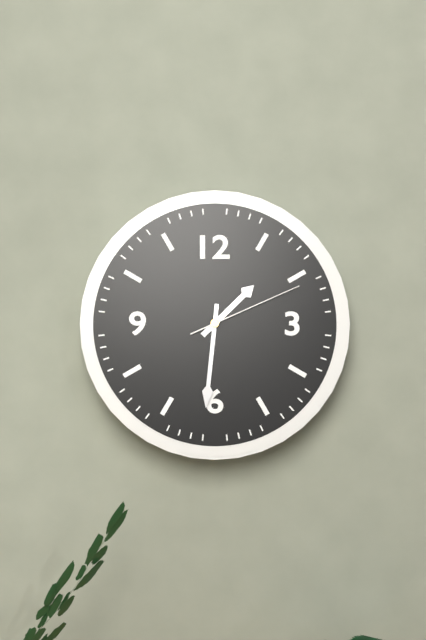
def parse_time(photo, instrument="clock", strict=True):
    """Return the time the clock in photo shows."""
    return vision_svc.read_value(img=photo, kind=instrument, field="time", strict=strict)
1:31:11
